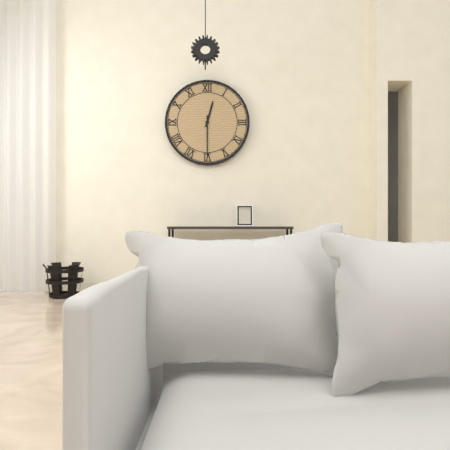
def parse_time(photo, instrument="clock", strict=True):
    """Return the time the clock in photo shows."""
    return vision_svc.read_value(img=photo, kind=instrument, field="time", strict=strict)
12:30
